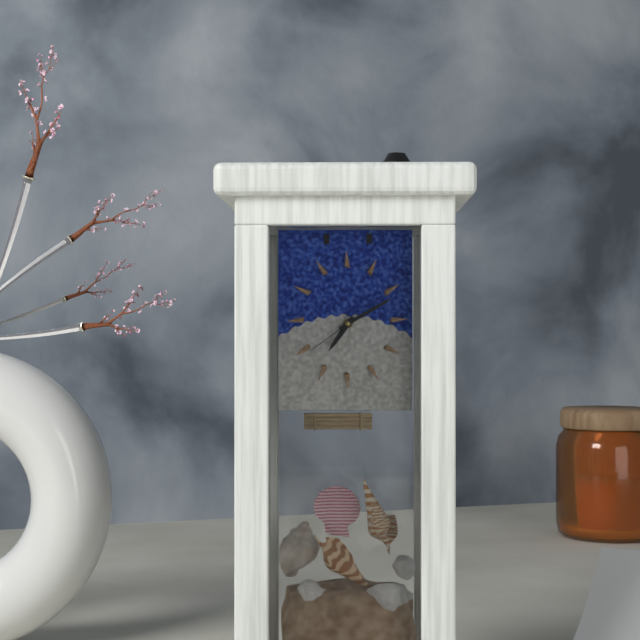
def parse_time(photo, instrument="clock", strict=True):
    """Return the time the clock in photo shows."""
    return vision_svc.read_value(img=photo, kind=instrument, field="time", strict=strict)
7:10:39
